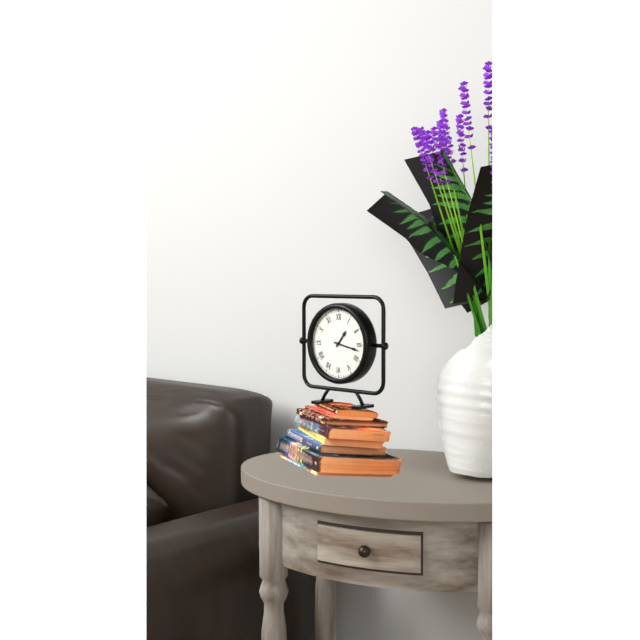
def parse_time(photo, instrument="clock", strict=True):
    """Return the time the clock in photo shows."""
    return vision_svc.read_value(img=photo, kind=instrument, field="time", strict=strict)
1:17
